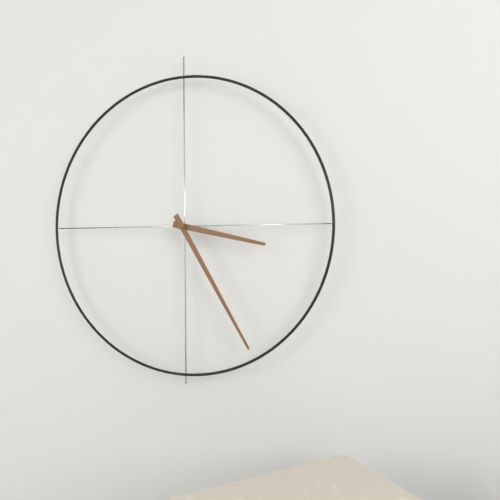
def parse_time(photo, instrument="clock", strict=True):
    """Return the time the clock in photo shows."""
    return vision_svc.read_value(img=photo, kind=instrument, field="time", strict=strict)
3:25
